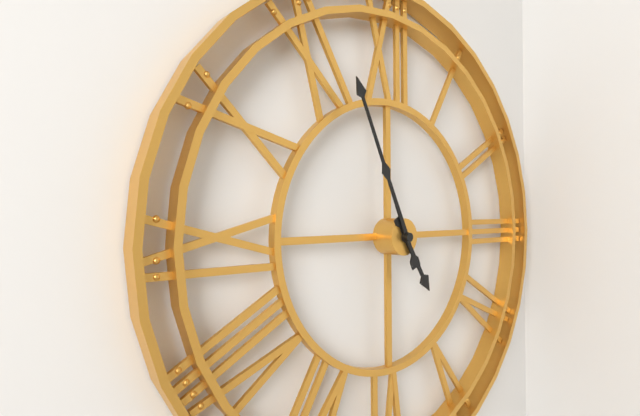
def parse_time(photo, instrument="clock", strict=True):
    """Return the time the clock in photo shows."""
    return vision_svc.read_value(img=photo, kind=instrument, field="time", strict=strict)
4:56
